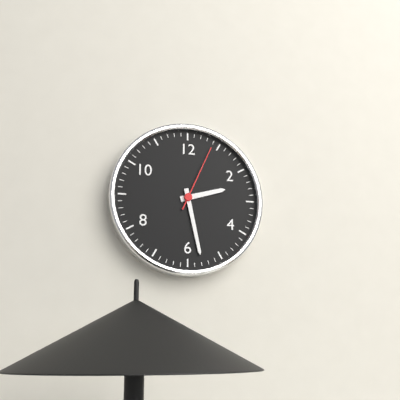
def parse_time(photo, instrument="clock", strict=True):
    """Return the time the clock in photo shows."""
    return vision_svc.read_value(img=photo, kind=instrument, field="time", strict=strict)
2:28:04
